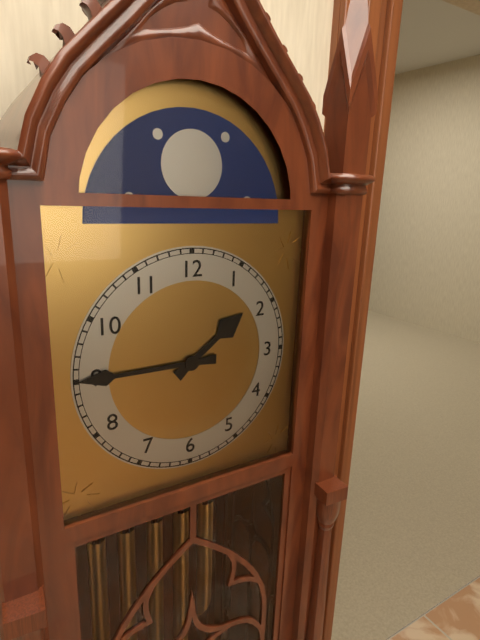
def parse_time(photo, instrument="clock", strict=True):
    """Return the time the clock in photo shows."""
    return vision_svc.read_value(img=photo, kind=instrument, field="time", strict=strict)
1:45
